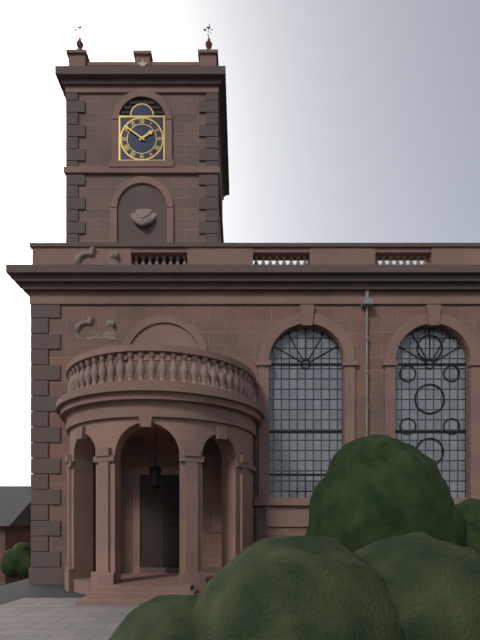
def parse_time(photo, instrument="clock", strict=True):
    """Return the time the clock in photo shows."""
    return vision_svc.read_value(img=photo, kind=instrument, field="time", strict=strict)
1:51
